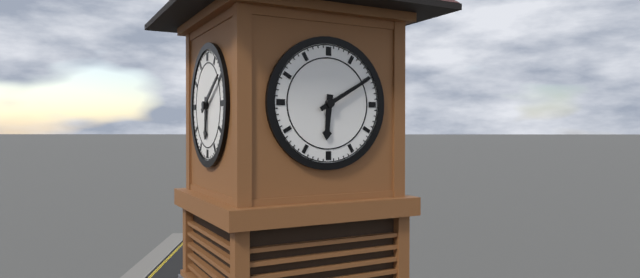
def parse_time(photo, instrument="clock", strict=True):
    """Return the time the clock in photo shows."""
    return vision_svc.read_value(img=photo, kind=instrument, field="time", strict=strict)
6:10
